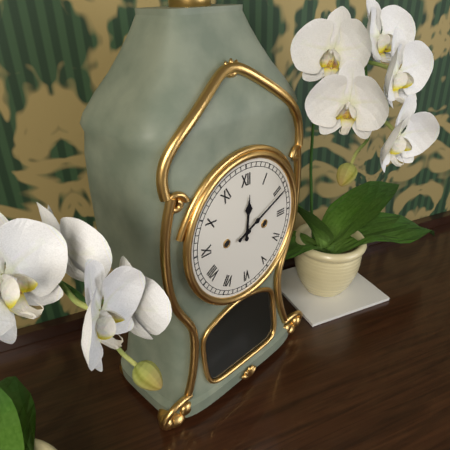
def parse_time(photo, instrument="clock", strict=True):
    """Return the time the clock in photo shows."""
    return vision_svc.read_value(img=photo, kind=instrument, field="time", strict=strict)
12:11
